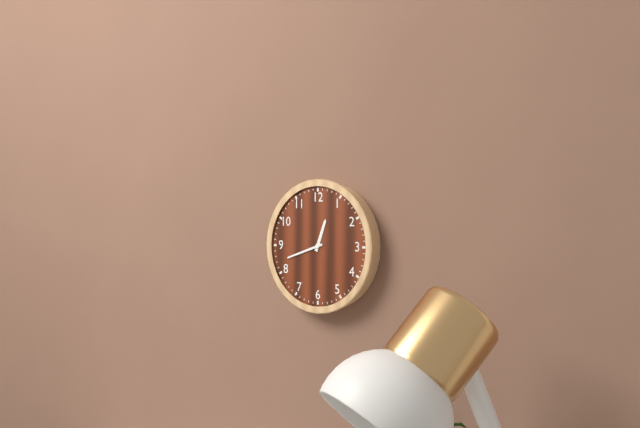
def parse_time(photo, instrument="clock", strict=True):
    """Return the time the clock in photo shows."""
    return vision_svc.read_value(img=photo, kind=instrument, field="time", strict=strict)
12:42
